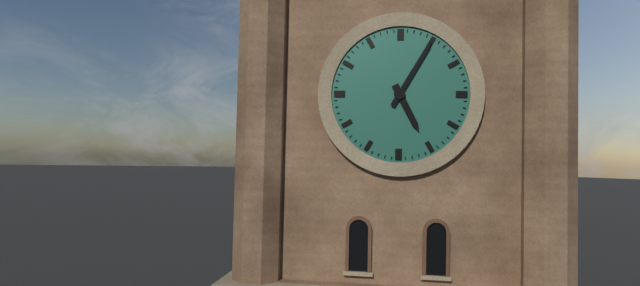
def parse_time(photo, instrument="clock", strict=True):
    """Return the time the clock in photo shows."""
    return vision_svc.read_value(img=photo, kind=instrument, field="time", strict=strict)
5:05
